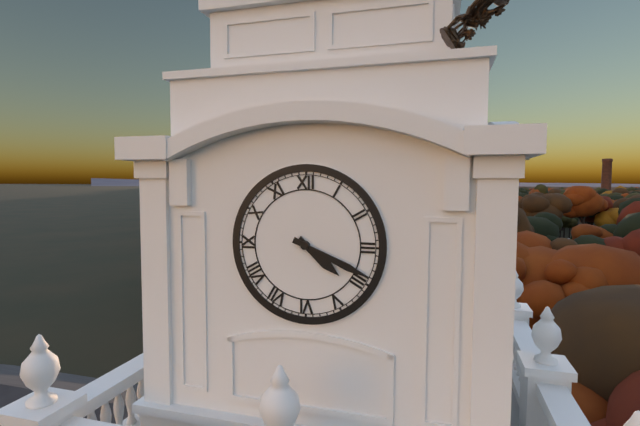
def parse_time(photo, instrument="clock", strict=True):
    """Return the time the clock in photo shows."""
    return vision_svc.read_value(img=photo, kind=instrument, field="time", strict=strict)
4:19
